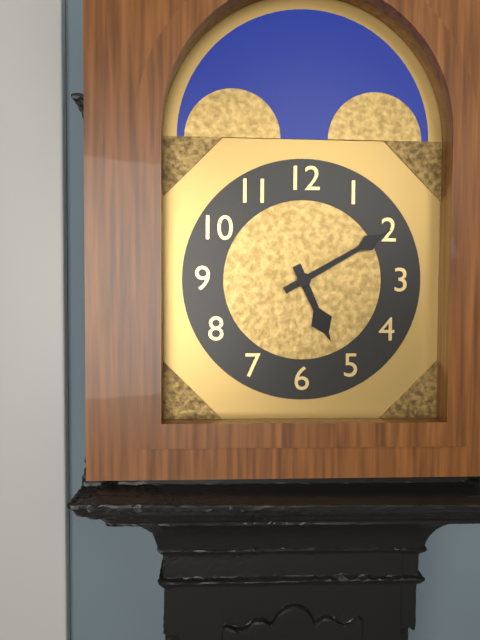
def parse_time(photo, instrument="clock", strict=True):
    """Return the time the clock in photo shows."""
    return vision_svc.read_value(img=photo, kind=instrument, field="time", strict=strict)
5:10
